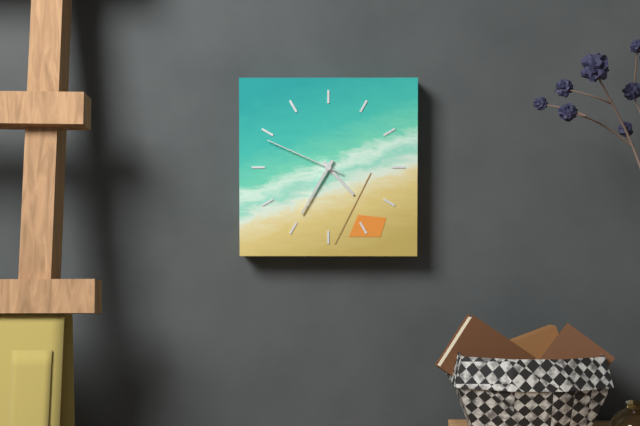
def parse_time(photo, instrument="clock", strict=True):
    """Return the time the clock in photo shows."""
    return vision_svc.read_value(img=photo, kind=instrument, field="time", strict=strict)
4:35:49
